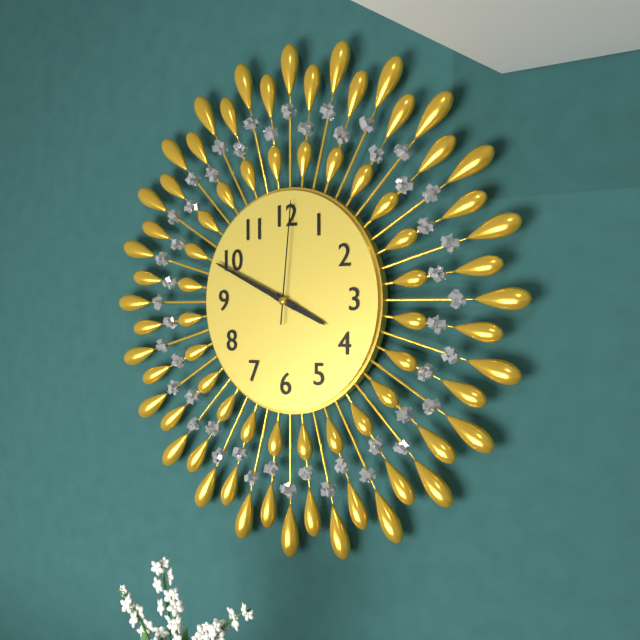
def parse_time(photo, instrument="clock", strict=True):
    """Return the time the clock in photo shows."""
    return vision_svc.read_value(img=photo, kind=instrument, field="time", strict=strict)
3:49:01
